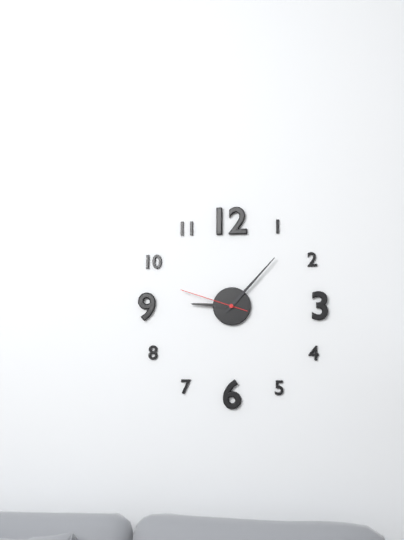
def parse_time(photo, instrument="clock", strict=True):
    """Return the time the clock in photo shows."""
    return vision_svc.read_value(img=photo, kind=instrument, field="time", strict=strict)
9:07:48
